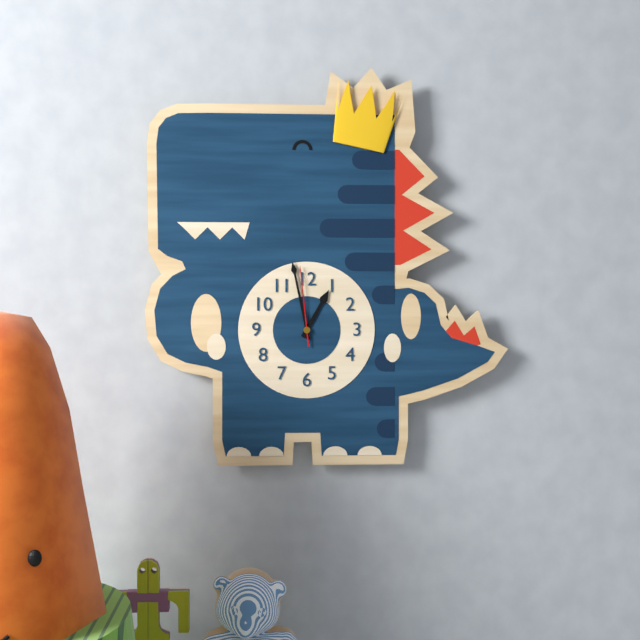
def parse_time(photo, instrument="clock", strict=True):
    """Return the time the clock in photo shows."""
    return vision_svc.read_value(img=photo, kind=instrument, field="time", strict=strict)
12:58:59
